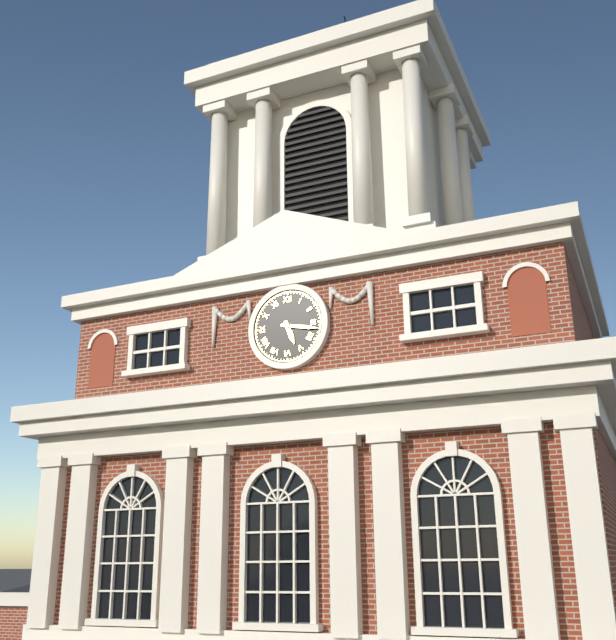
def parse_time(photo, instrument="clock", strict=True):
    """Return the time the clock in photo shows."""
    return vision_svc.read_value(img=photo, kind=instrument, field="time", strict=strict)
5:17
